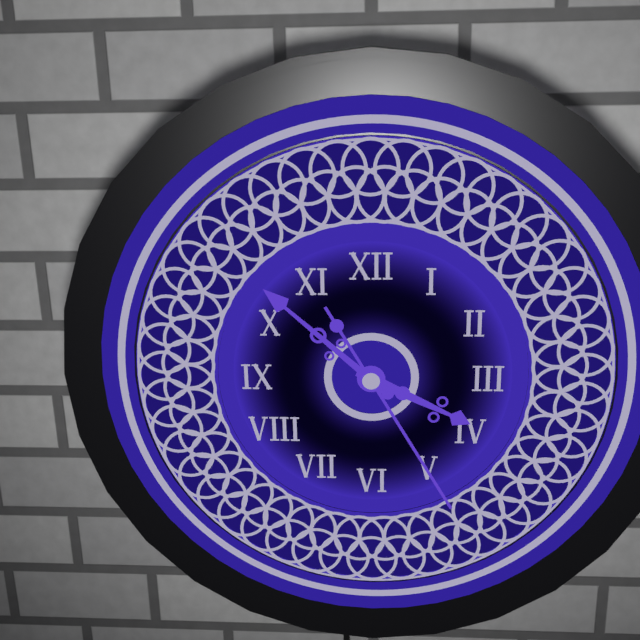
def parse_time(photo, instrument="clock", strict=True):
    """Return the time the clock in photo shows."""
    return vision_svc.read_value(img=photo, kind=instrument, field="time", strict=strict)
3:52:25
